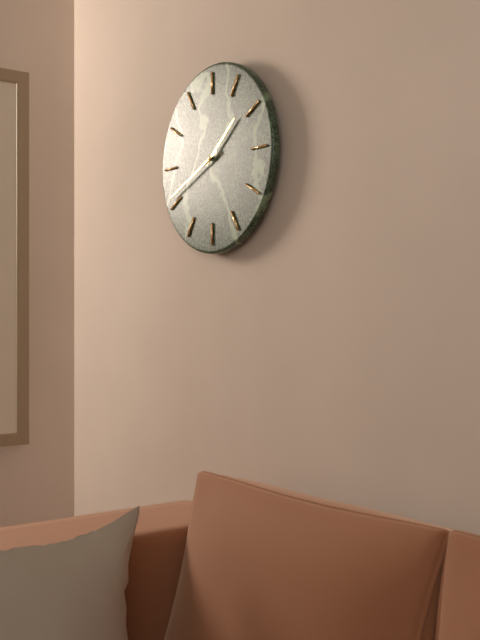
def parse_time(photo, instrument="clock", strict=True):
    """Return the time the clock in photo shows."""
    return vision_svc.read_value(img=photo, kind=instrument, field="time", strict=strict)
1:41
